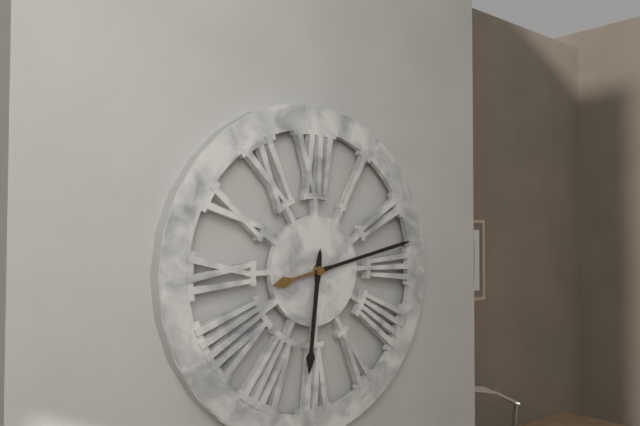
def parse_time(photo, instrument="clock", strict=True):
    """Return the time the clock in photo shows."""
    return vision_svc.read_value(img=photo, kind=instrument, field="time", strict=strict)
6:13
